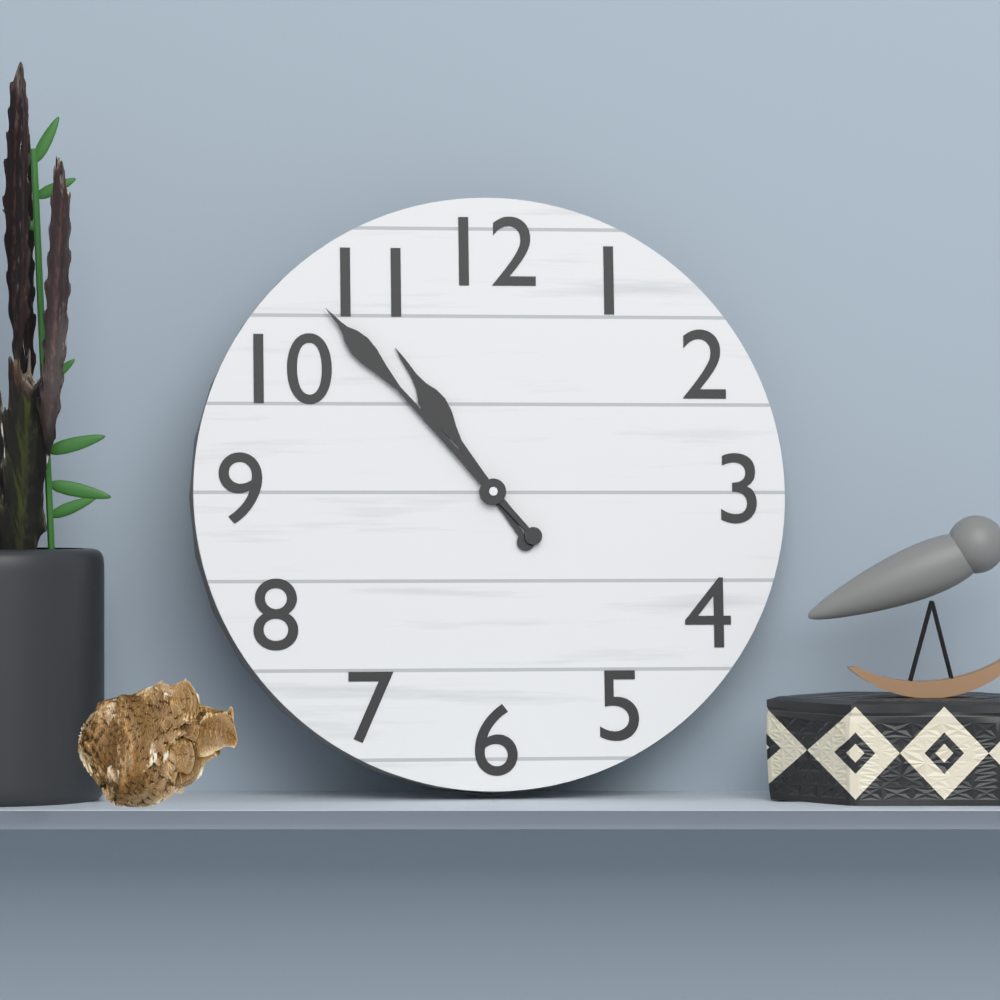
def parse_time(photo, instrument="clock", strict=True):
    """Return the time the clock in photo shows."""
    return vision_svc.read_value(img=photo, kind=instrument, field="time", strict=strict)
10:53
